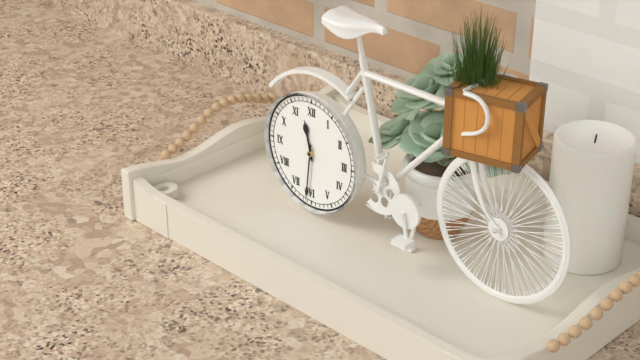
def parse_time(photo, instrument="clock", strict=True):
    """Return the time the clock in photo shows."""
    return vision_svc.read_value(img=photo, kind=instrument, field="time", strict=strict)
11:31
